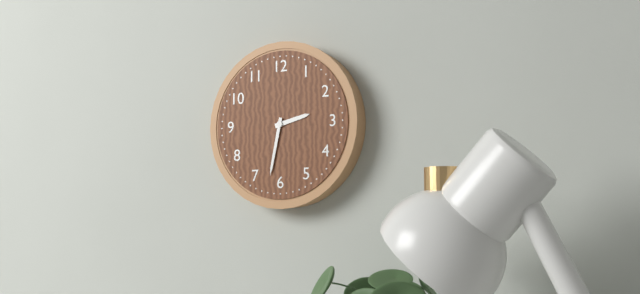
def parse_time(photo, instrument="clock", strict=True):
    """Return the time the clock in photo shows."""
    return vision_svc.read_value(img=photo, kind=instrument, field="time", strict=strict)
2:32
